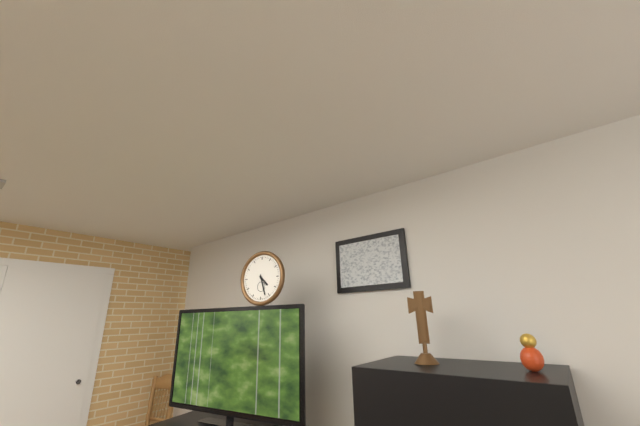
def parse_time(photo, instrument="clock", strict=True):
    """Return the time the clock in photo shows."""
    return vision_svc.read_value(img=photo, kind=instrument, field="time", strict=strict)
4:27
